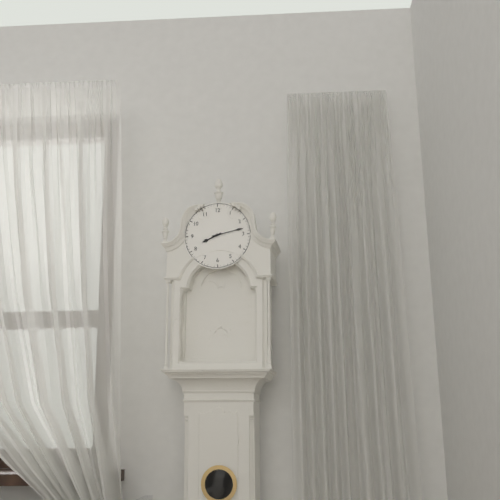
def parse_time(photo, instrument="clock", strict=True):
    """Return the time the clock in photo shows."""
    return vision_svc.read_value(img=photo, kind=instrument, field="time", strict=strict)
8:13
